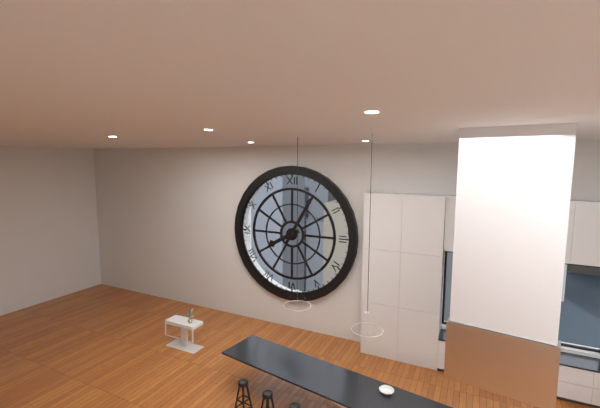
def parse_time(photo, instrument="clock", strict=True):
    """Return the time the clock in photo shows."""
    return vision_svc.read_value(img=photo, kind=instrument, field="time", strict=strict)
8:05
